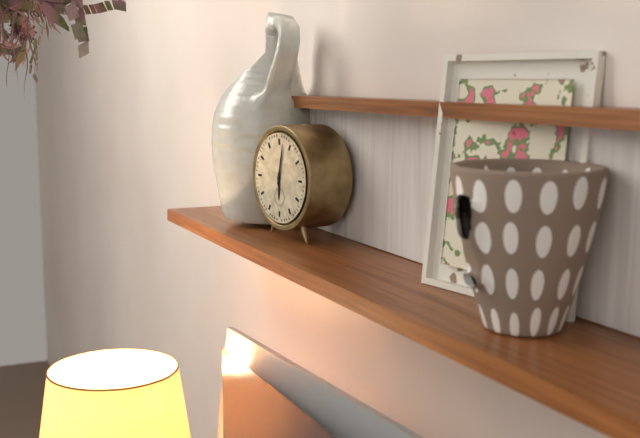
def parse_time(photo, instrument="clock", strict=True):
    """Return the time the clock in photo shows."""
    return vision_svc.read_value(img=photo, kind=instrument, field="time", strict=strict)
6:02
